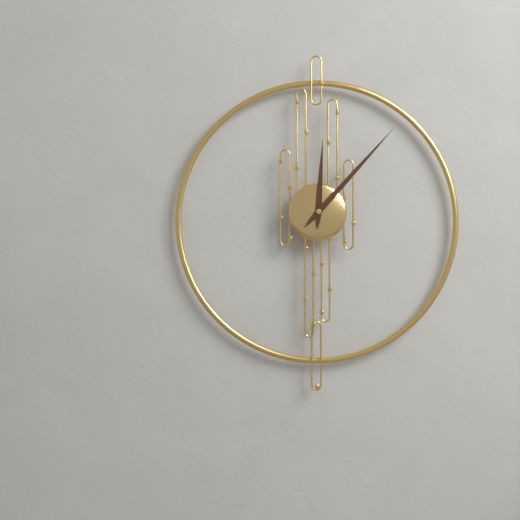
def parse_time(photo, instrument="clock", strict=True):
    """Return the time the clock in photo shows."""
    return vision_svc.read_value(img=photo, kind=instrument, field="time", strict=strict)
12:07
